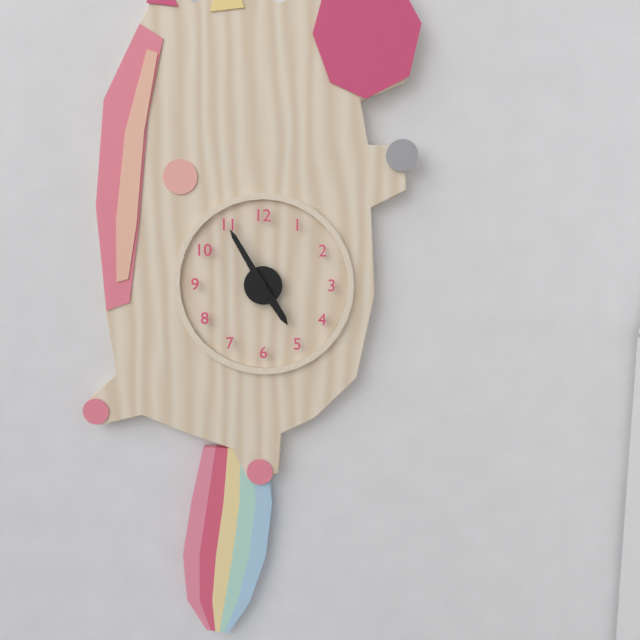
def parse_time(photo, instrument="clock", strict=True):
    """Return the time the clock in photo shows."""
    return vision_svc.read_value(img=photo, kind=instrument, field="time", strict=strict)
4:55
